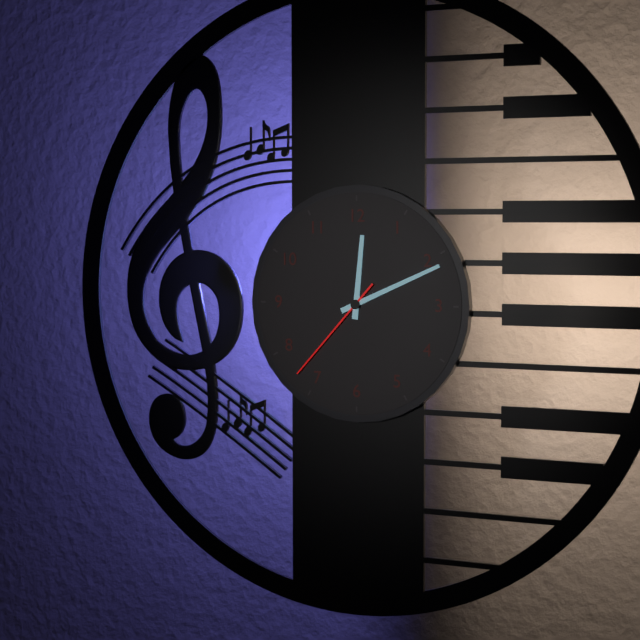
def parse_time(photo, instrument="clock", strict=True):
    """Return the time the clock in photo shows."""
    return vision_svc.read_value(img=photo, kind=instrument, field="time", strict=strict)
12:11:37
